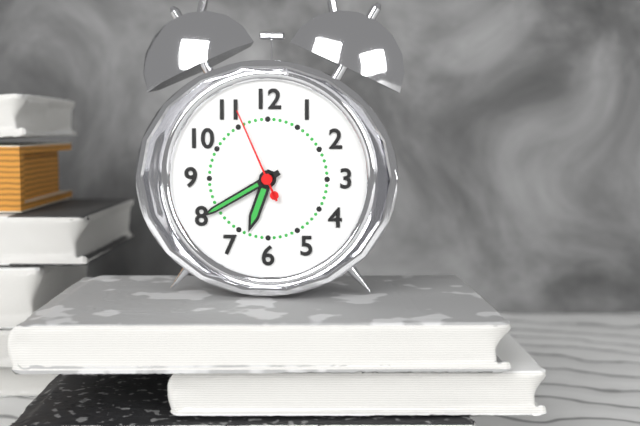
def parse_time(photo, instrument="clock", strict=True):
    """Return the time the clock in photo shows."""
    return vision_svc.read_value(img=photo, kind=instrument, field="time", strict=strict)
6:40:56
